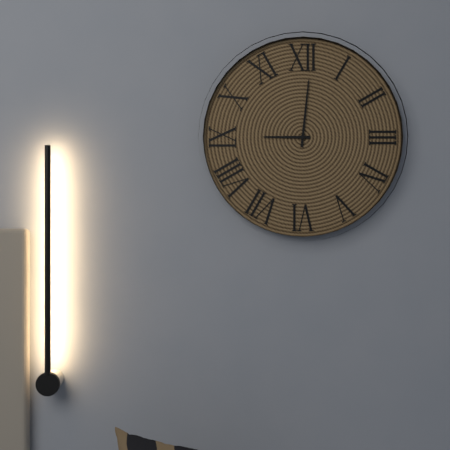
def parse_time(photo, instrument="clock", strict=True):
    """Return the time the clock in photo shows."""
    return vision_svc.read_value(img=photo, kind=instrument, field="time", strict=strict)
9:01
